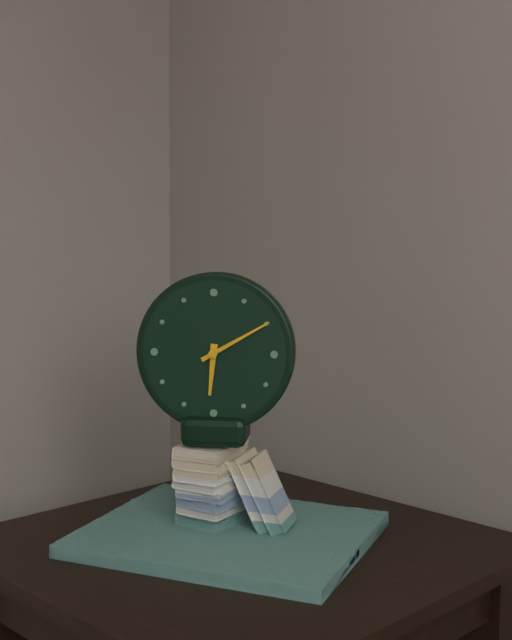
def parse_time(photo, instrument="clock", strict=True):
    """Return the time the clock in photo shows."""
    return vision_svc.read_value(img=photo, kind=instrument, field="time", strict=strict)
6:10
